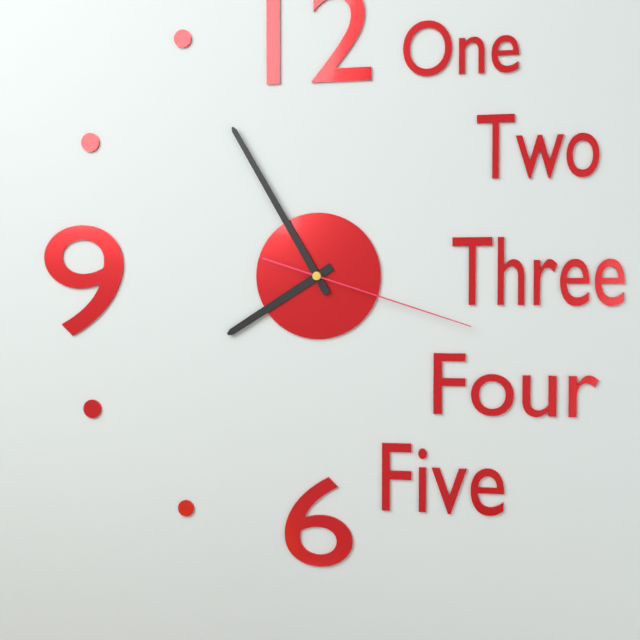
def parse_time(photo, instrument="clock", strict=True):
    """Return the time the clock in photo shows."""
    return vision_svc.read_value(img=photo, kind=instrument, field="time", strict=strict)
7:55:18
